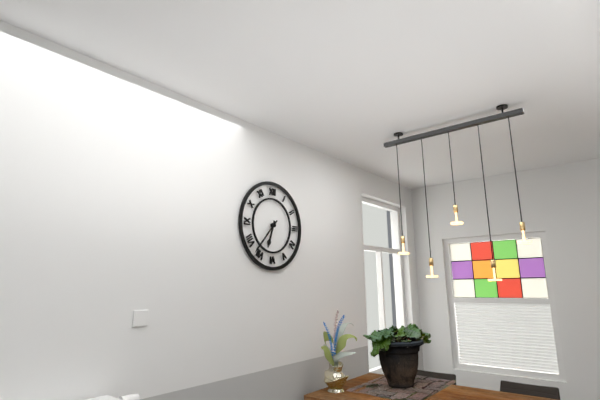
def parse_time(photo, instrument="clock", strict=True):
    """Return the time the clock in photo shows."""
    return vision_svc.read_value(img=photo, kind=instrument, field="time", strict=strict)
6:37
